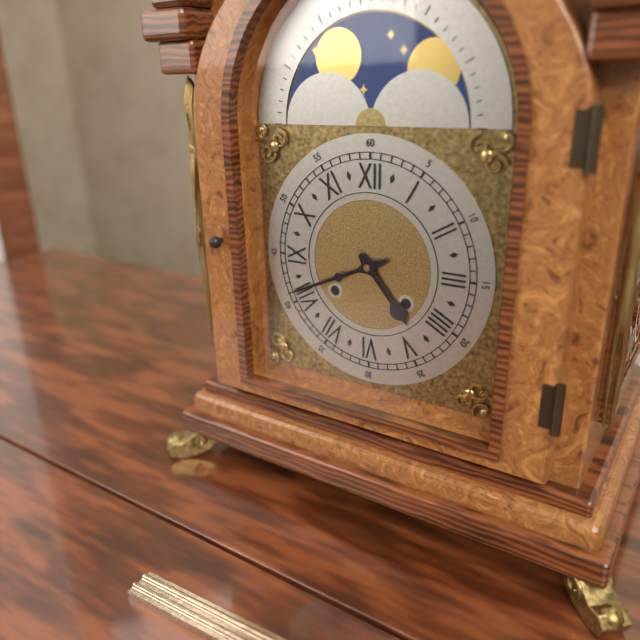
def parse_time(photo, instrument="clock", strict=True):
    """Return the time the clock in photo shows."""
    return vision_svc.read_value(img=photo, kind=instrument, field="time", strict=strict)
4:41
